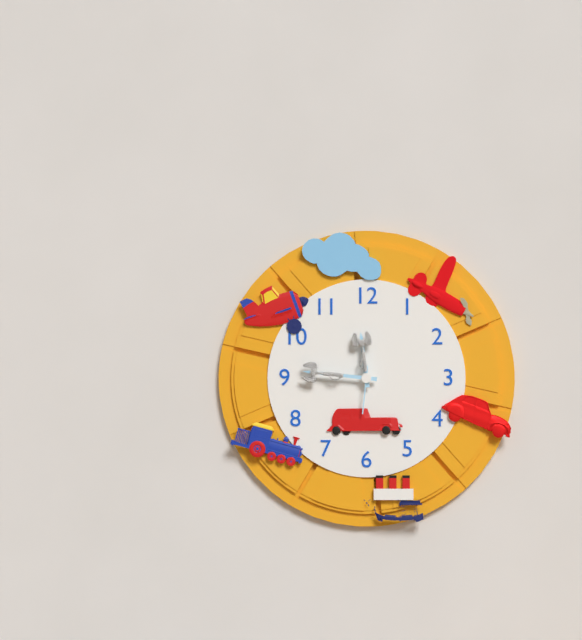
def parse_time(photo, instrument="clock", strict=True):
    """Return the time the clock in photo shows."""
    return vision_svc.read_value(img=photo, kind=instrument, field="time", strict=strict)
11:46
